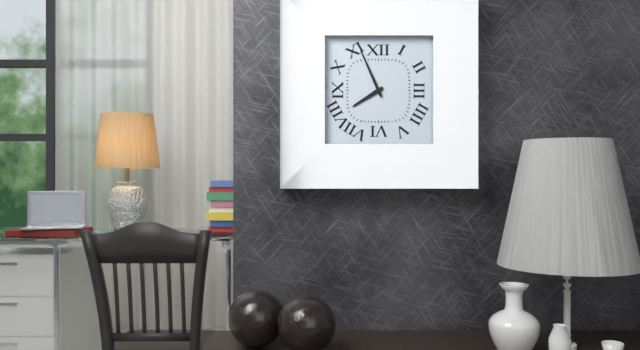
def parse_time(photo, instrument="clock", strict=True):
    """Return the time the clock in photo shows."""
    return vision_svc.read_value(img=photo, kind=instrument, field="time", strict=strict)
7:56
